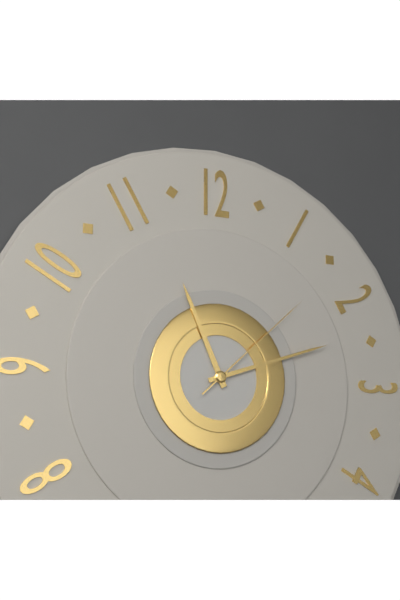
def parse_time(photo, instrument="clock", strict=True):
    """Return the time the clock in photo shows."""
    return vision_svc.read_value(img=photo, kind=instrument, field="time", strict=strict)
11:12:08
